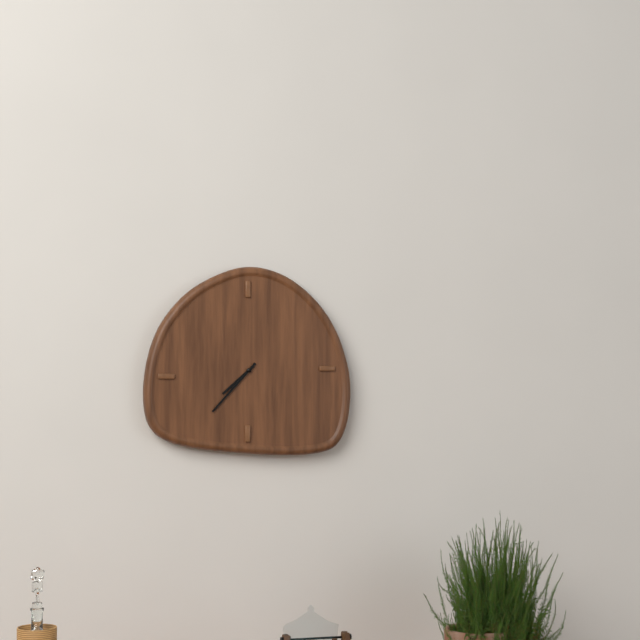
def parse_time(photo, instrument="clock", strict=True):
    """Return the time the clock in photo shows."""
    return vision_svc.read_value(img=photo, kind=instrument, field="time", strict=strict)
7:37
